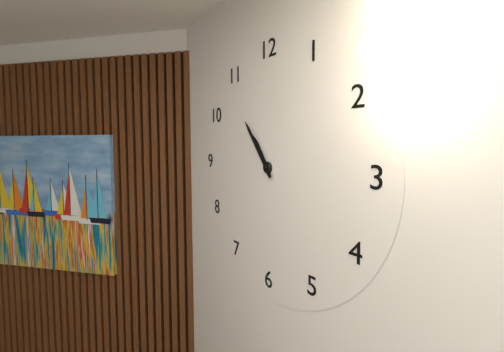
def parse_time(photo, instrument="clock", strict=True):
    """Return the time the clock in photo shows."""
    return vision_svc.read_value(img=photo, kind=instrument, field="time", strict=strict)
10:54
